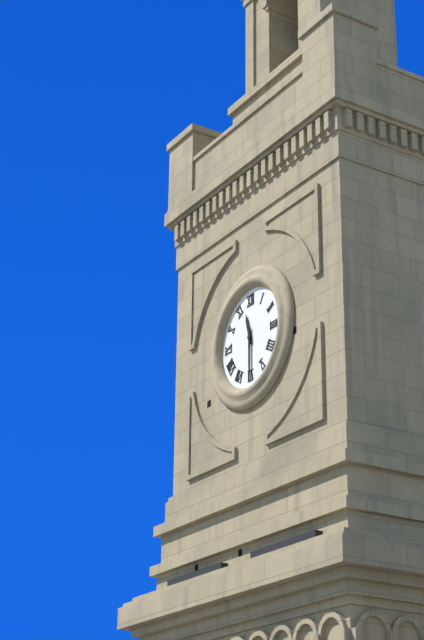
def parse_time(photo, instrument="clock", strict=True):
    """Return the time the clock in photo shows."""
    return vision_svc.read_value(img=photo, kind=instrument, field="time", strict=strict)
11:30
